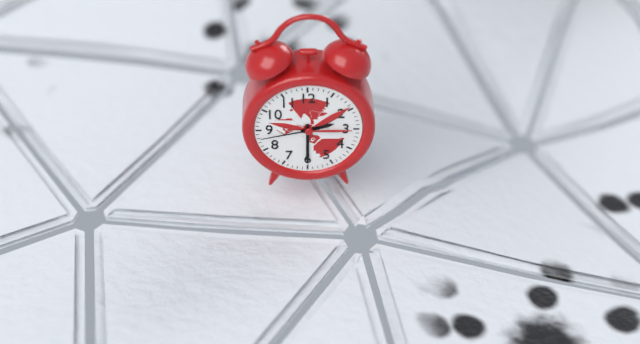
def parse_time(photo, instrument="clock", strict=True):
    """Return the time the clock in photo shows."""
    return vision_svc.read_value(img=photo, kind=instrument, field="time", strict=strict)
2:30:43
